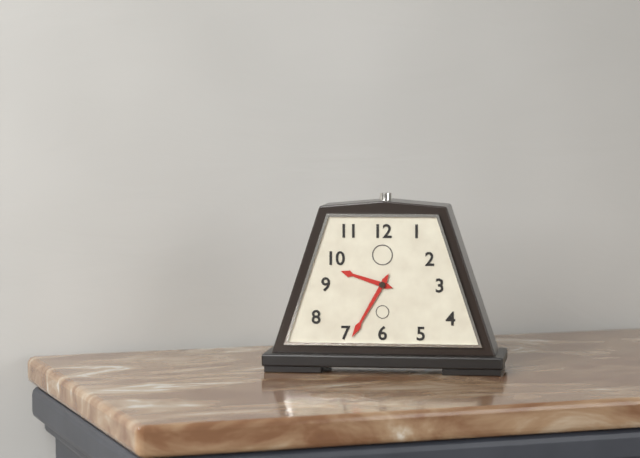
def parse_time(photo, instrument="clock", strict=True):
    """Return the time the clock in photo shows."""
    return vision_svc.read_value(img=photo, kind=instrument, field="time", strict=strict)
9:35
